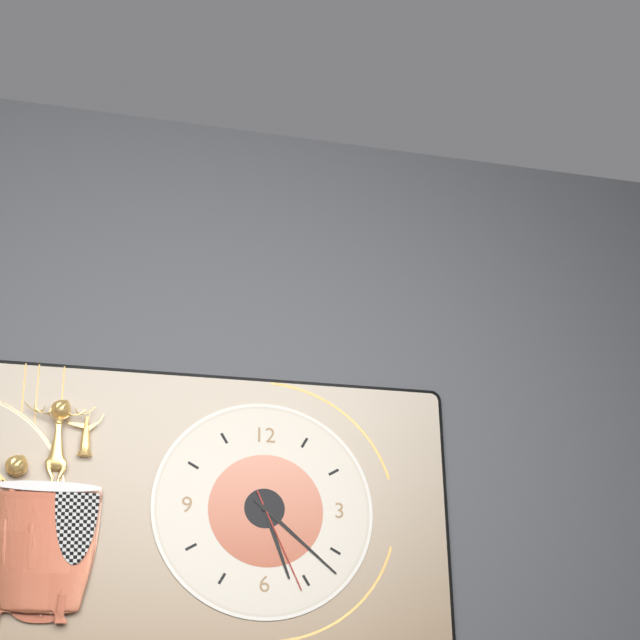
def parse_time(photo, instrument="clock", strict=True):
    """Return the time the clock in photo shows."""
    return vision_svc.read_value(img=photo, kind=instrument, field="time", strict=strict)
5:22:26
